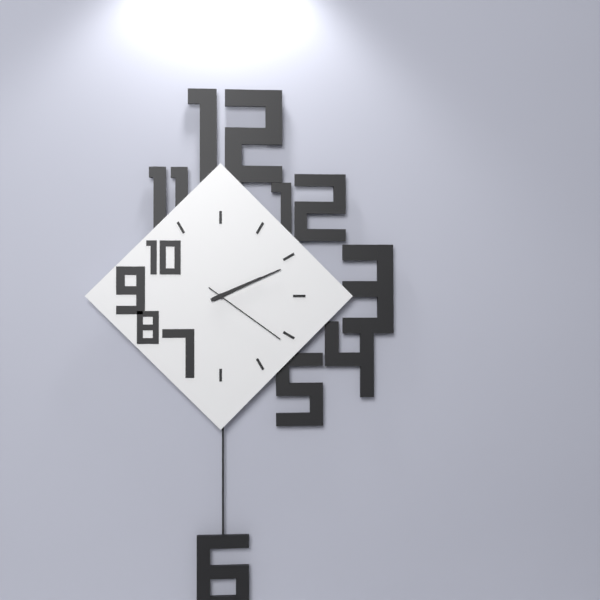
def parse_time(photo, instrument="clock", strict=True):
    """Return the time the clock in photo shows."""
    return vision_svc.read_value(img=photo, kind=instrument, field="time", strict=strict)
2:11:21
